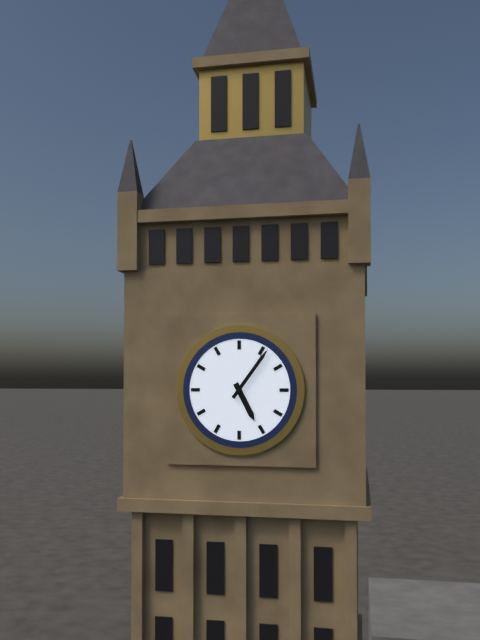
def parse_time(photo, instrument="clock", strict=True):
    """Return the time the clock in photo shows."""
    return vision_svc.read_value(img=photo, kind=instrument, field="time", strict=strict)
5:06
